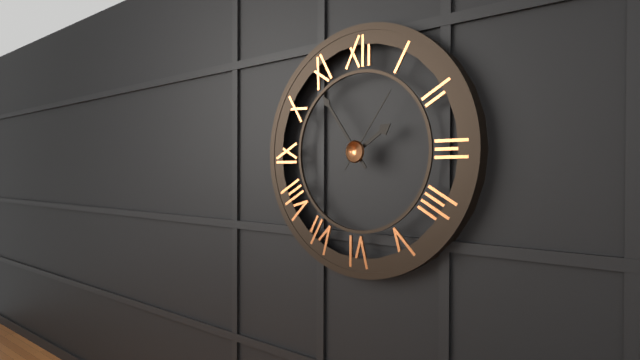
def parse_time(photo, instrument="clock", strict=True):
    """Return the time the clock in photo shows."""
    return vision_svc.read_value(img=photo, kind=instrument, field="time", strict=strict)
1:54:06
